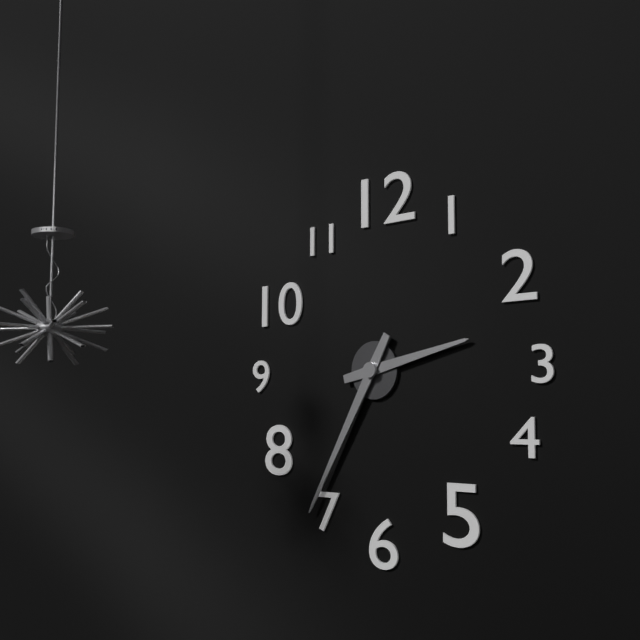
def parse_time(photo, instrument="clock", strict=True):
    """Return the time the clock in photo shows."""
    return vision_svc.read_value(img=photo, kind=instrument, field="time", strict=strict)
2:35
